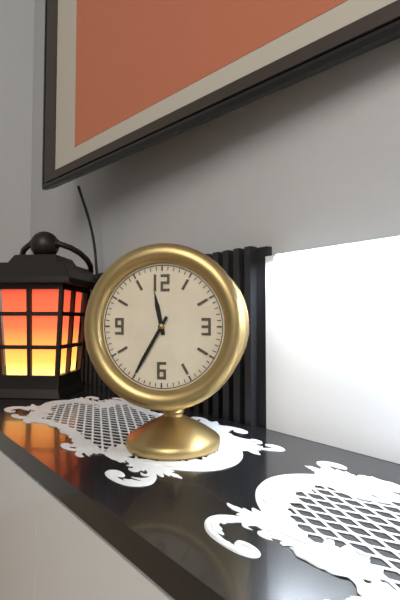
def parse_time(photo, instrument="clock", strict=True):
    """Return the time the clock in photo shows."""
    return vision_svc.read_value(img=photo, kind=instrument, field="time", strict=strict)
11:35
